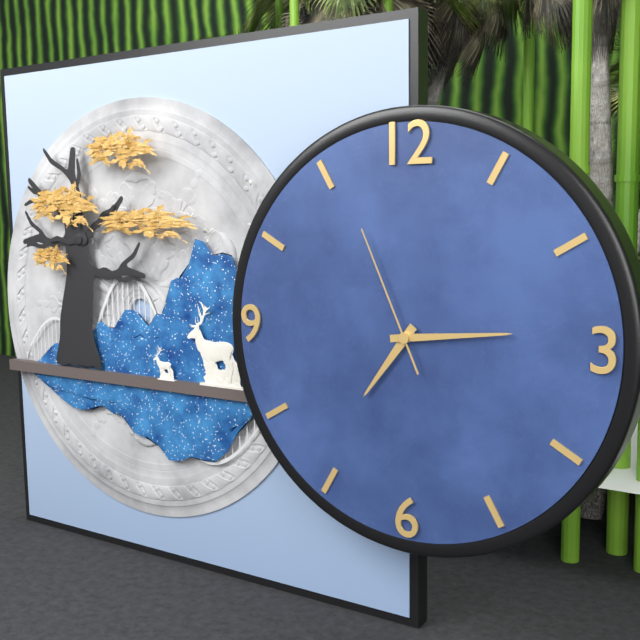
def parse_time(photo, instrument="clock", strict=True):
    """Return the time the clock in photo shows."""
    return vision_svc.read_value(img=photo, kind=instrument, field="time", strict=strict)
7:14:56
